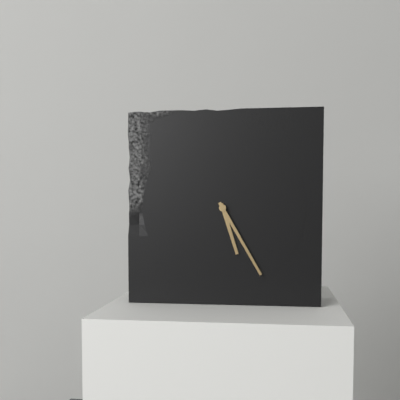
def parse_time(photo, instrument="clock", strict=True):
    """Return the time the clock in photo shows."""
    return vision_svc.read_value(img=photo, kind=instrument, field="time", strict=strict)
5:25
